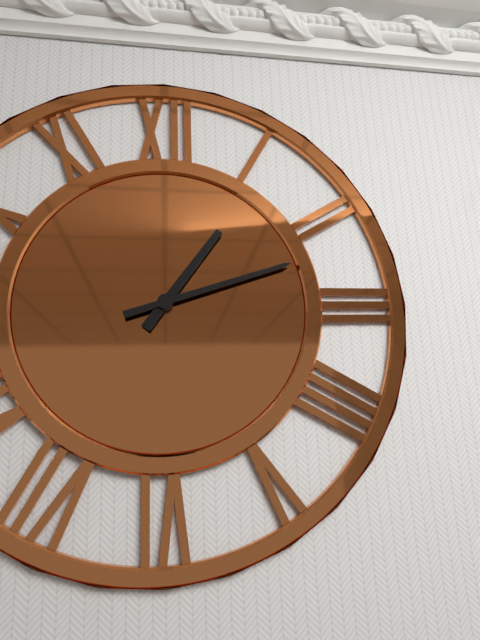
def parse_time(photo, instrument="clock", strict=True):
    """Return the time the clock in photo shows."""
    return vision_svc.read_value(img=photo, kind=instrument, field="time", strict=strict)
1:12
